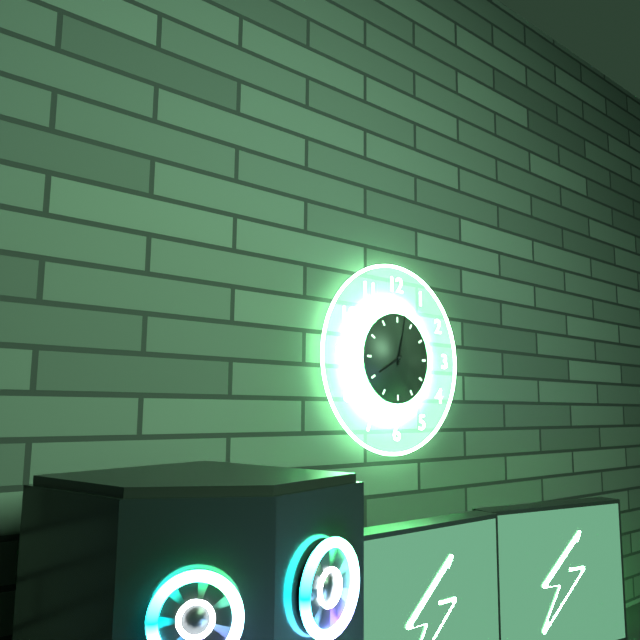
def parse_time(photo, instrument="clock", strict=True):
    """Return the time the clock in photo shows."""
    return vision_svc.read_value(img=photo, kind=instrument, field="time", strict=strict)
8:02
